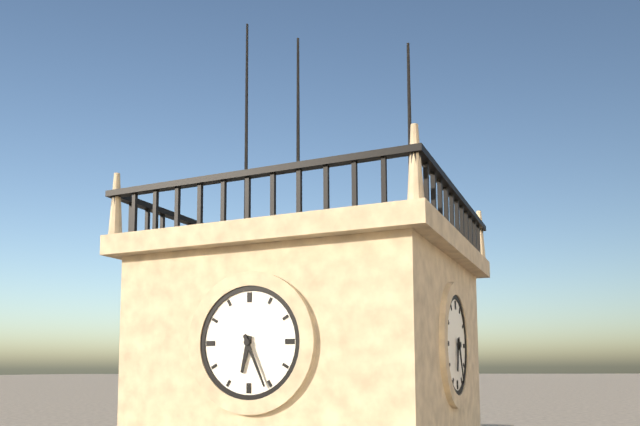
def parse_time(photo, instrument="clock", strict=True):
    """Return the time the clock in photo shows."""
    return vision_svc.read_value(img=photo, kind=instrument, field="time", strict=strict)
6:26
